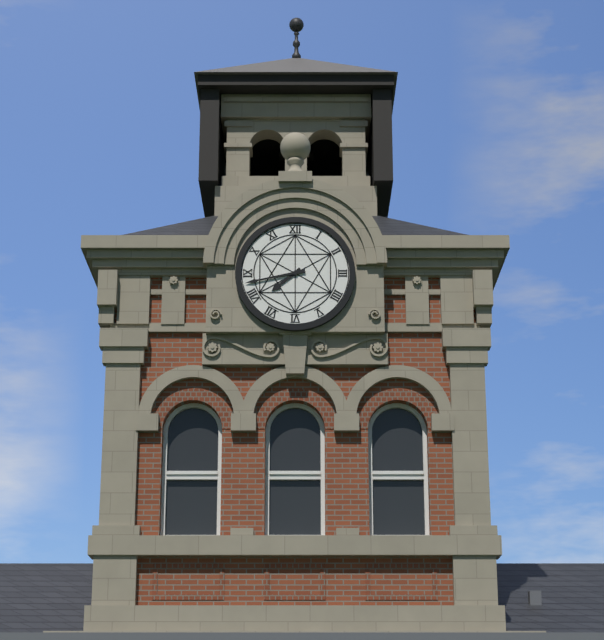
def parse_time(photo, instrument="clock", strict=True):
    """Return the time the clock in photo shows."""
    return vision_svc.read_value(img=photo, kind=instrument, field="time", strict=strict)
7:43
